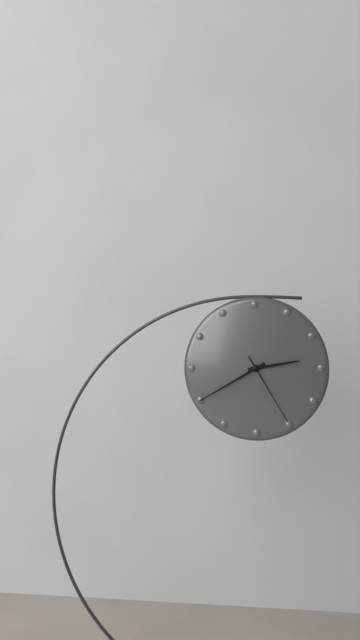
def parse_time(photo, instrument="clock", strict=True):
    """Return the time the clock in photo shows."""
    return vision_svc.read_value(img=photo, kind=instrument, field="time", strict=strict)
2:40:25
